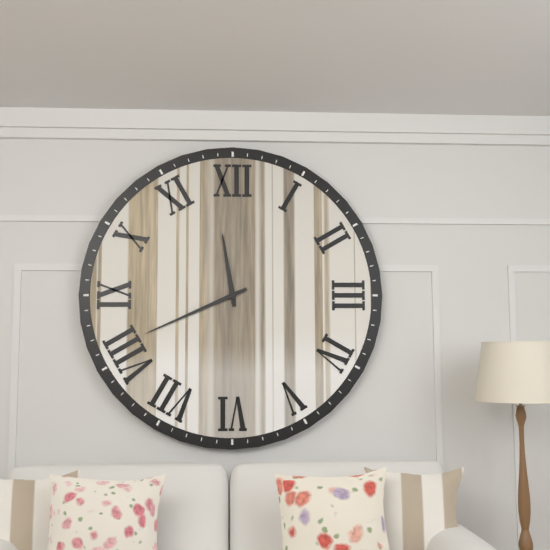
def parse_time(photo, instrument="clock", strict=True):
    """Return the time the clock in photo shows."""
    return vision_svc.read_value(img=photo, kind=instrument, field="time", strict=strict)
11:41
